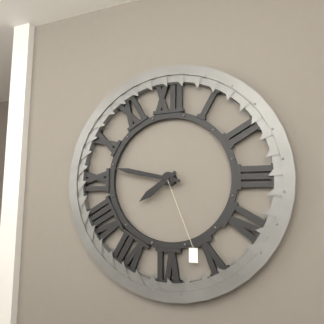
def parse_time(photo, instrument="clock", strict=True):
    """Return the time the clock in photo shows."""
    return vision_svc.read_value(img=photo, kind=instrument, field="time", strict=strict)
7:47
